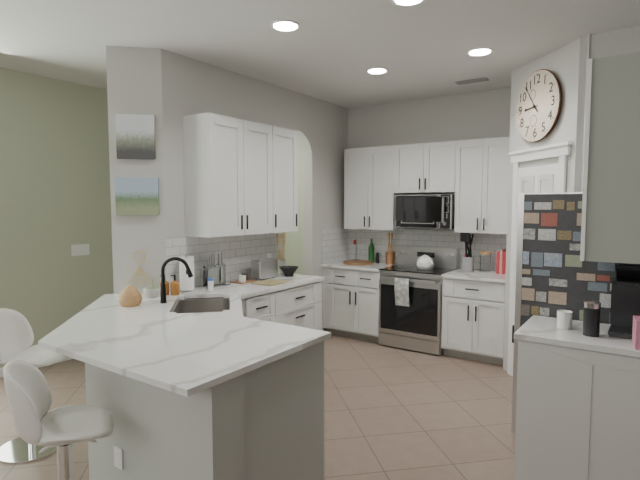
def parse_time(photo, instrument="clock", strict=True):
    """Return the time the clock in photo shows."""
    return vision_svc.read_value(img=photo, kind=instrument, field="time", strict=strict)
8:54
